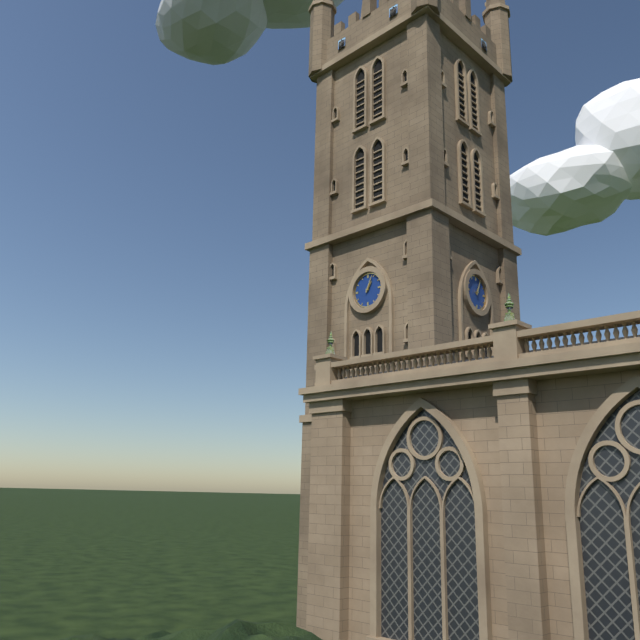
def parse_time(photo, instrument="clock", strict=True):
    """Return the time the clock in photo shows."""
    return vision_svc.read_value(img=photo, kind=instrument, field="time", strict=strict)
1:04
